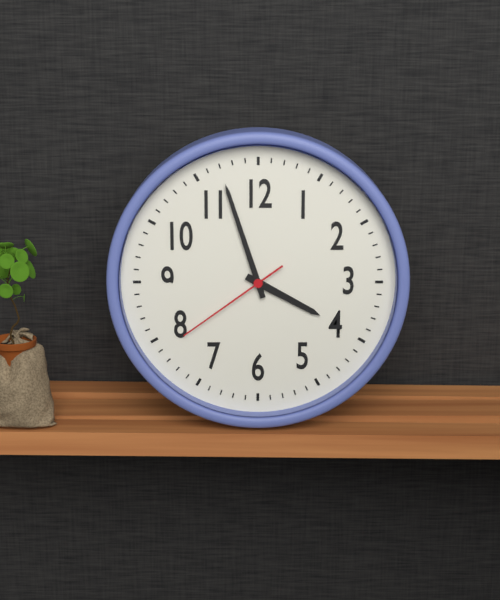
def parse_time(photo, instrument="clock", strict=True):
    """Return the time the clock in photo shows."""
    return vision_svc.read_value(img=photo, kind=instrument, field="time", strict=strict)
3:57:39
